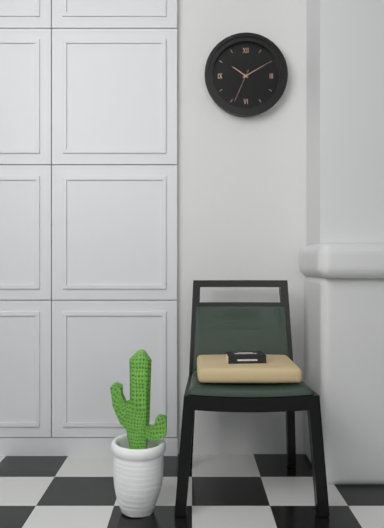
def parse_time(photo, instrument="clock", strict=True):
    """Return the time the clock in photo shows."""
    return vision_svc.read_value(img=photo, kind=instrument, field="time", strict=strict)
10:10
